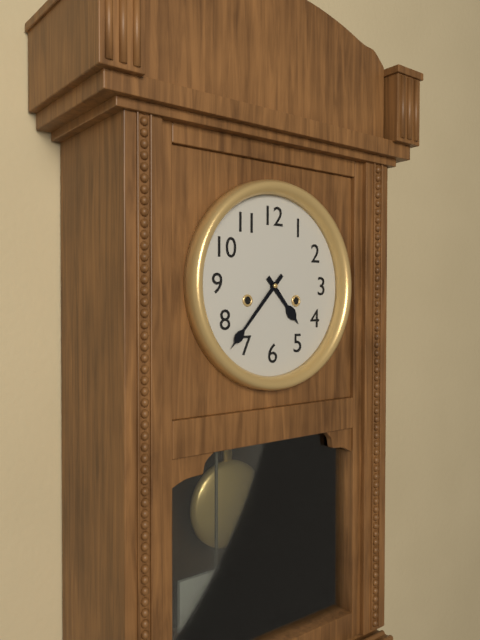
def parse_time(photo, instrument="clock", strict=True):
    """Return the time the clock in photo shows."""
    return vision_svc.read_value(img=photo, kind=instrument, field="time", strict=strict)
4:37
